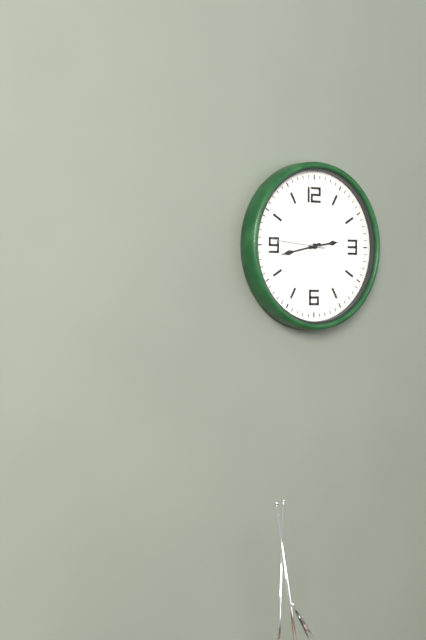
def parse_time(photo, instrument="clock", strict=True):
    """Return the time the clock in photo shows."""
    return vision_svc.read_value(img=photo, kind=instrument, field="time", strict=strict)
2:43
